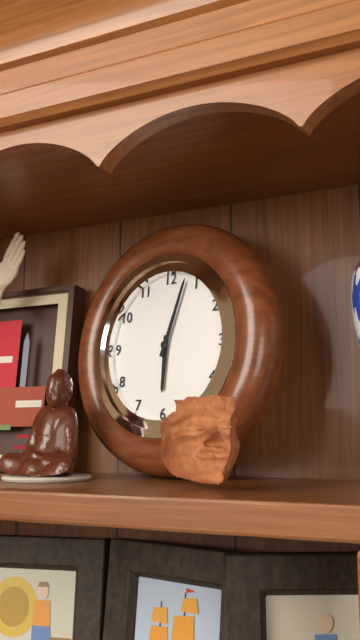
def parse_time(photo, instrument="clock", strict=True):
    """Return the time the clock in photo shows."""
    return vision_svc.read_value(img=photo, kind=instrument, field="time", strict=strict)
6:03
